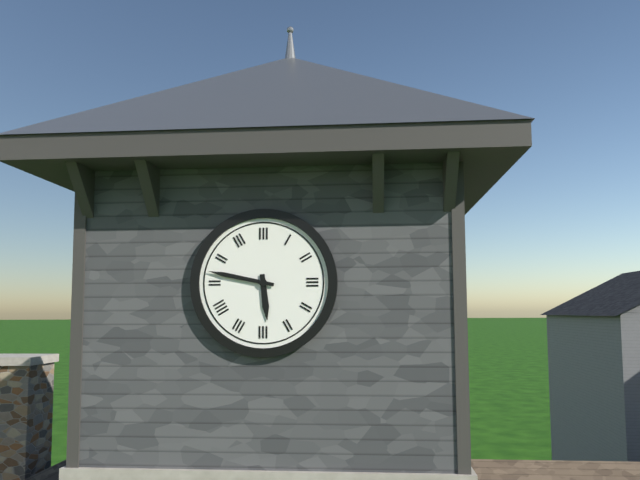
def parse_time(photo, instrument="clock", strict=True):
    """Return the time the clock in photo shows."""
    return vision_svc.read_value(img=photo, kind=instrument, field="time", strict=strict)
5:47
